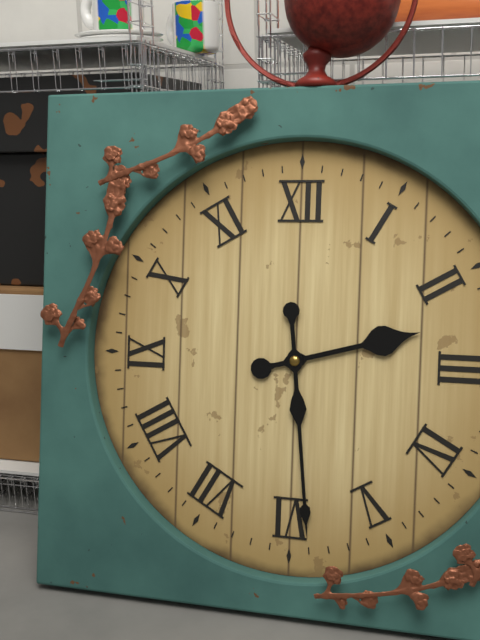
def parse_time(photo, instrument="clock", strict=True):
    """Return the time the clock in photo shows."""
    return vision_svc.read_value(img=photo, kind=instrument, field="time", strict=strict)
2:29
